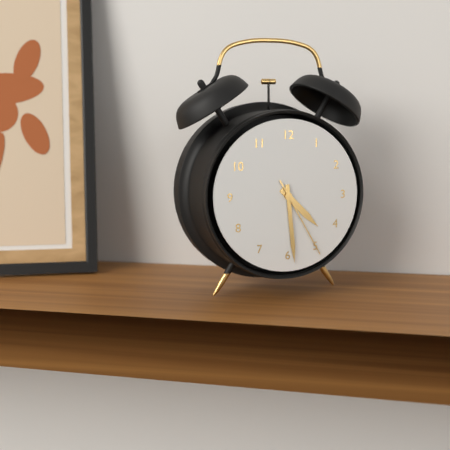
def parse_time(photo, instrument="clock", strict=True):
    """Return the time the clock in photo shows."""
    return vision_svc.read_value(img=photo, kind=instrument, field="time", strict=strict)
4:29:25
